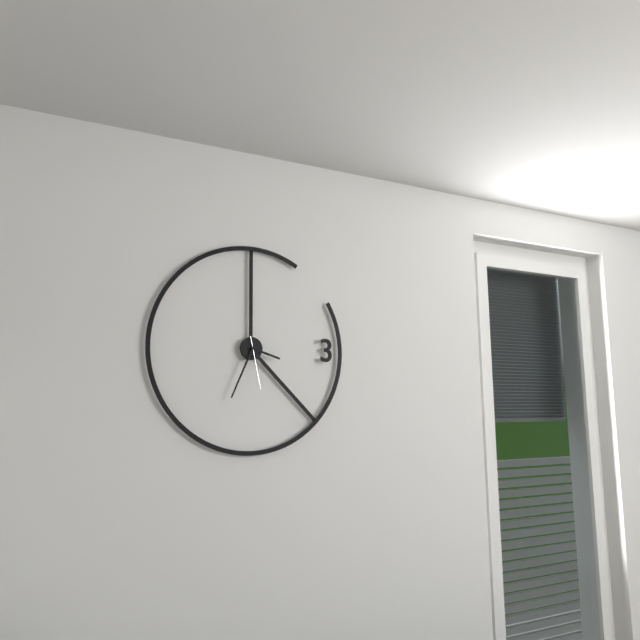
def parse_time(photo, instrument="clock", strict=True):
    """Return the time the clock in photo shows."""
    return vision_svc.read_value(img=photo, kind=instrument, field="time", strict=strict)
3:34:28
